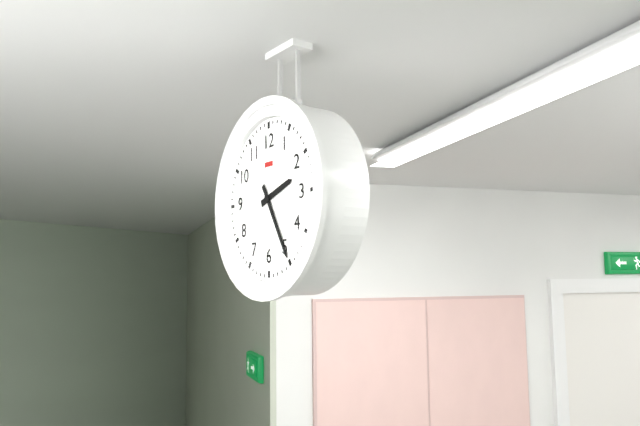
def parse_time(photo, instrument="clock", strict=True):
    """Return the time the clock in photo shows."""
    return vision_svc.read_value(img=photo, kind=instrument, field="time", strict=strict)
2:25
